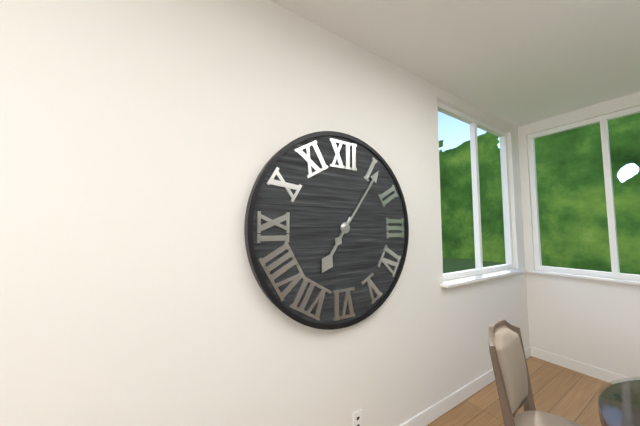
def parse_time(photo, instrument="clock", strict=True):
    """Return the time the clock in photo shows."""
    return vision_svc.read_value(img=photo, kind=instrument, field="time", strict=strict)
7:06
